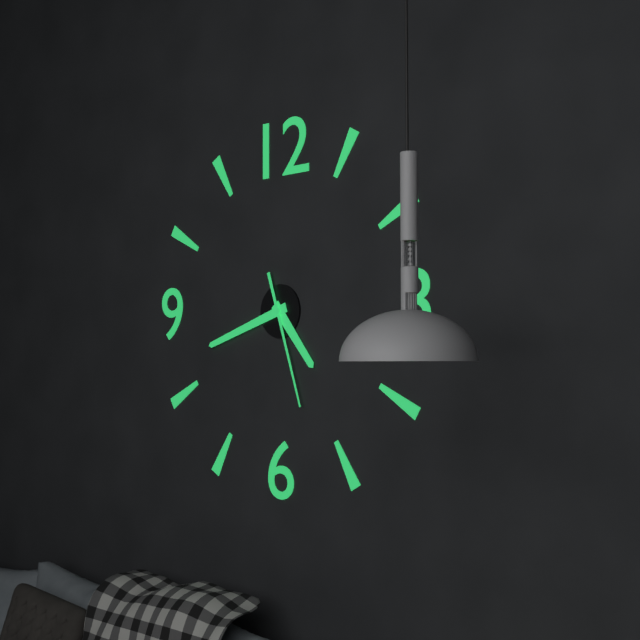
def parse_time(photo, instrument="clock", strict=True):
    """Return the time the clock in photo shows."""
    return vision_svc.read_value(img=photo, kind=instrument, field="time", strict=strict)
4:42:27
